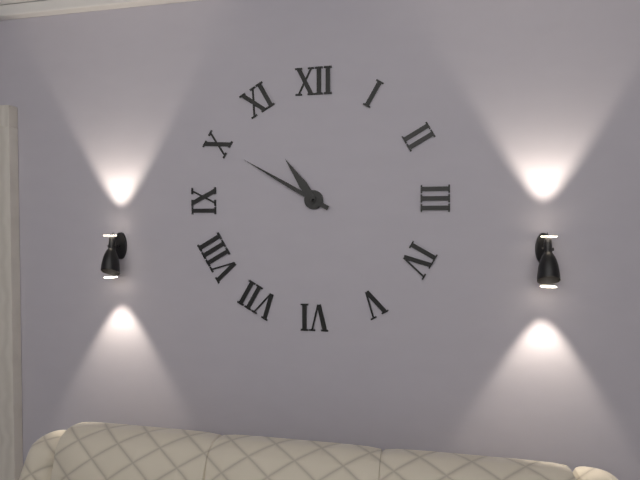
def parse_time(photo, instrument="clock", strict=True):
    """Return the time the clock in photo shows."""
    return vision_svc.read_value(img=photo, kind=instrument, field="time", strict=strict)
10:50
